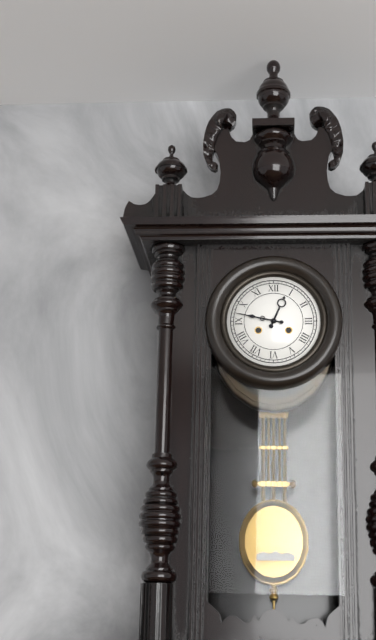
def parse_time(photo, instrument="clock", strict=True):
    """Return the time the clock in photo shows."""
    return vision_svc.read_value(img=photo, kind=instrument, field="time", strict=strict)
12:47
